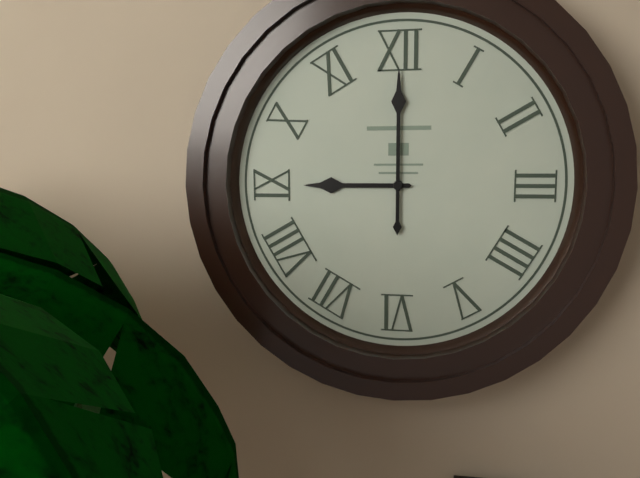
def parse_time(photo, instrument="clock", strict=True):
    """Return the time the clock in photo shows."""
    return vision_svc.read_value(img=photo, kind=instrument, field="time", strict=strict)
9:00
